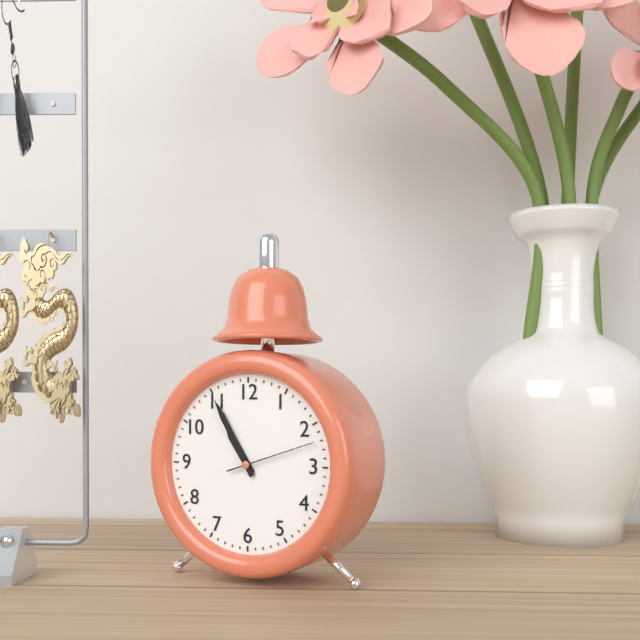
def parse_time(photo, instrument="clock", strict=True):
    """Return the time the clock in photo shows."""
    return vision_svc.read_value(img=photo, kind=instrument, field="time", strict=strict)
10:55:12
